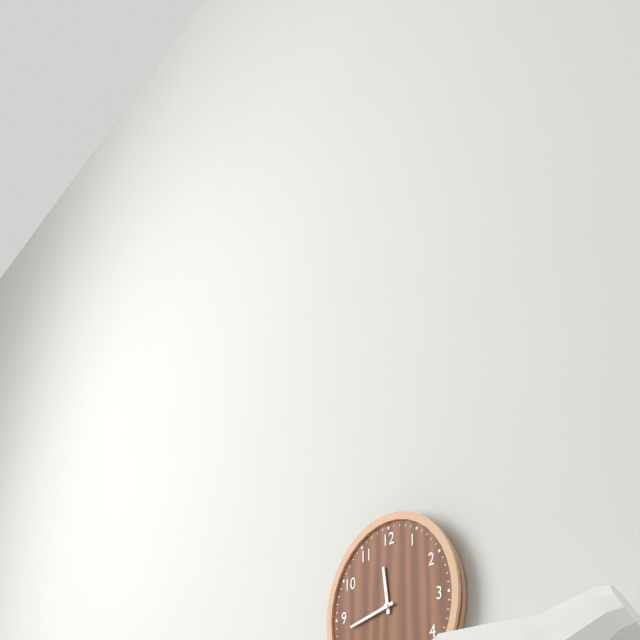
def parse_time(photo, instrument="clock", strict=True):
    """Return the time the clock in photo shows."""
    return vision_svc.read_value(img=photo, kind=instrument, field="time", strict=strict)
11:43
